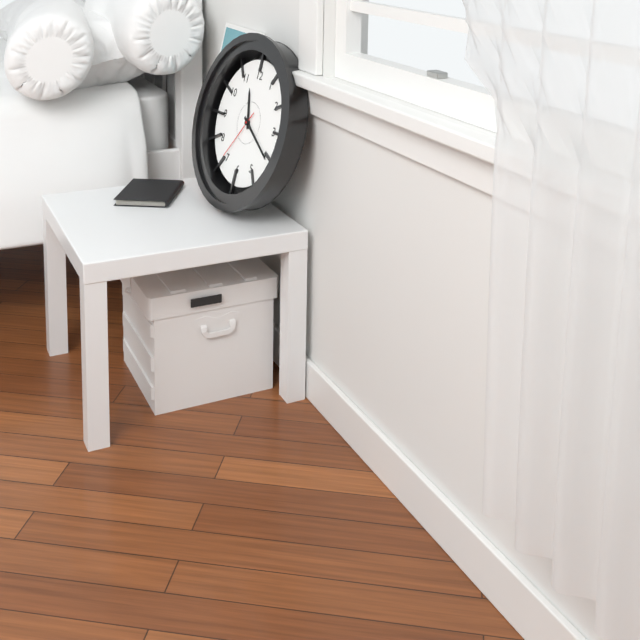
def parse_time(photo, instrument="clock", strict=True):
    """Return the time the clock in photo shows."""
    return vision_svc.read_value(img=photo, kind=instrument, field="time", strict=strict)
11:20:36
